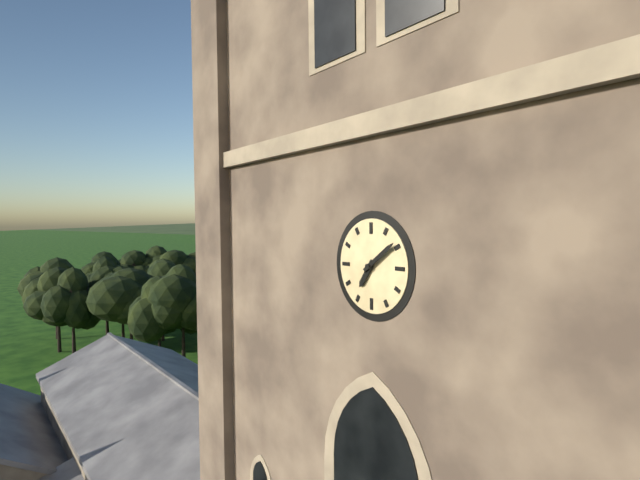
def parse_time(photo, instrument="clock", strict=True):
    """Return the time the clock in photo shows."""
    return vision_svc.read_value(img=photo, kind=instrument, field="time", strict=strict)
7:09
